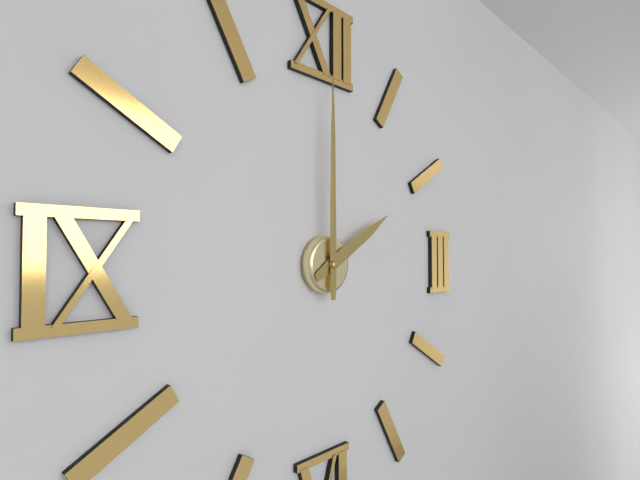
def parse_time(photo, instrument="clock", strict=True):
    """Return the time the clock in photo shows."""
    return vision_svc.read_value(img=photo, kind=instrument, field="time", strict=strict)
2:00
